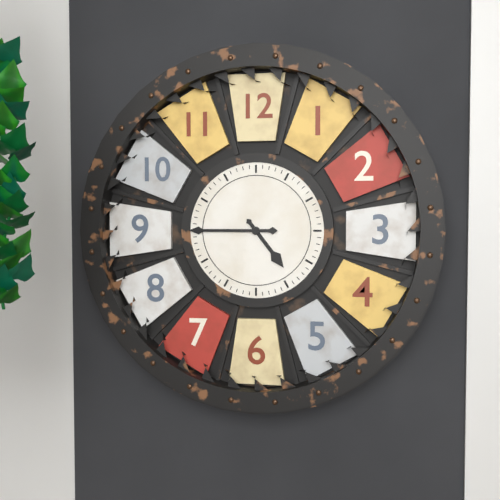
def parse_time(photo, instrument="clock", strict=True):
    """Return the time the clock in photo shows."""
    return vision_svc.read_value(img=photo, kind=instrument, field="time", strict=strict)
4:45
